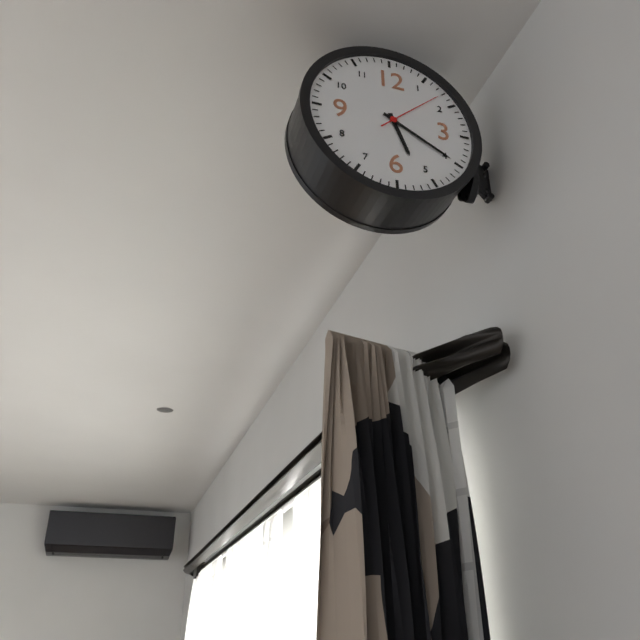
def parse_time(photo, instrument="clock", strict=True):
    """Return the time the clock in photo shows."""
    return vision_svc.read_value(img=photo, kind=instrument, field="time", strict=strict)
5:20:08
